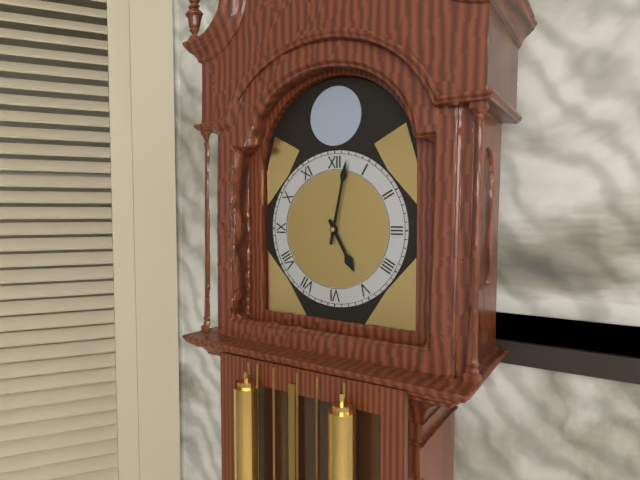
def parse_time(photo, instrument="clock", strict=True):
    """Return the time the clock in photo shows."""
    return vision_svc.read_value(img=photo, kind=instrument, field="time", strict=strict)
5:02
